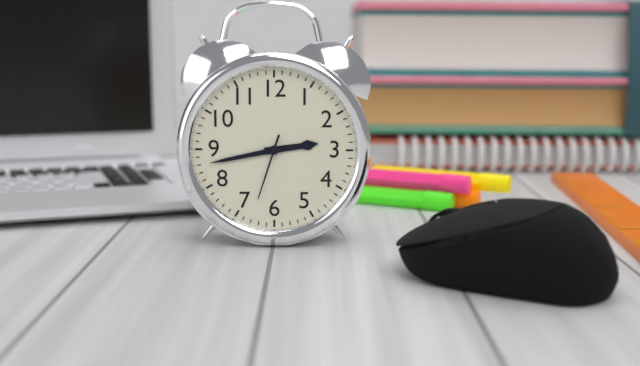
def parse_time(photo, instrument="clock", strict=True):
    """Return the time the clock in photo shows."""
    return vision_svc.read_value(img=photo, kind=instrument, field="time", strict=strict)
2:43:33
